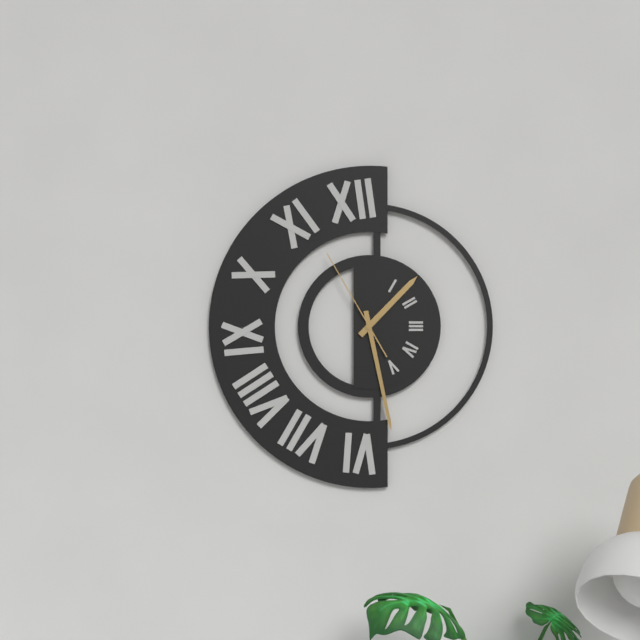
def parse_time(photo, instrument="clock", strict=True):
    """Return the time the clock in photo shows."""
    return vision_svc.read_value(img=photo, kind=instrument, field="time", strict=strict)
1:28:55
